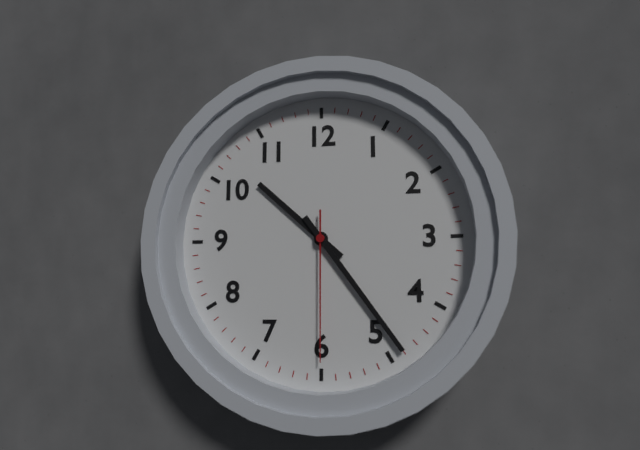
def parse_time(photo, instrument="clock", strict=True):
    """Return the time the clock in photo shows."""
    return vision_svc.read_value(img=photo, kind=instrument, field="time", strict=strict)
10:24:30
